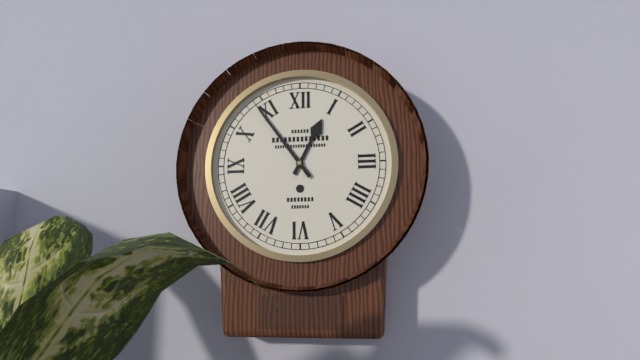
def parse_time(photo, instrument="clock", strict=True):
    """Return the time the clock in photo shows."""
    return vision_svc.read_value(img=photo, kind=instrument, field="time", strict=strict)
12:54
